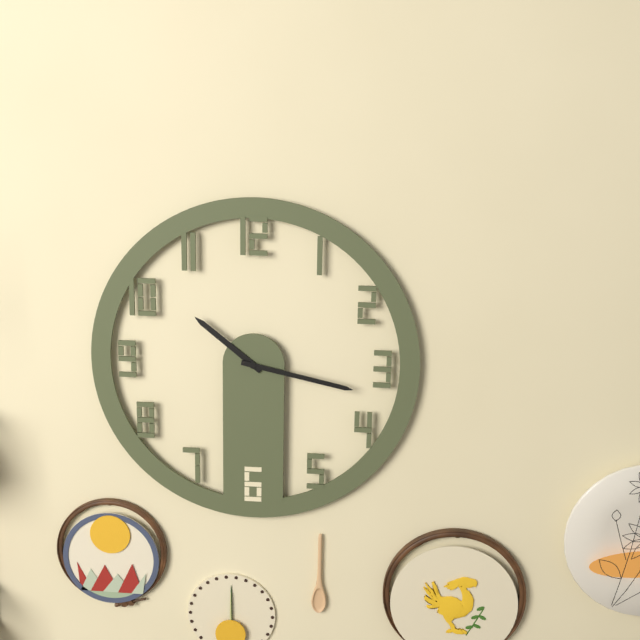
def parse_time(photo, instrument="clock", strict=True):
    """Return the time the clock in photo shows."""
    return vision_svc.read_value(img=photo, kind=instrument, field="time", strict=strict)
10:17
